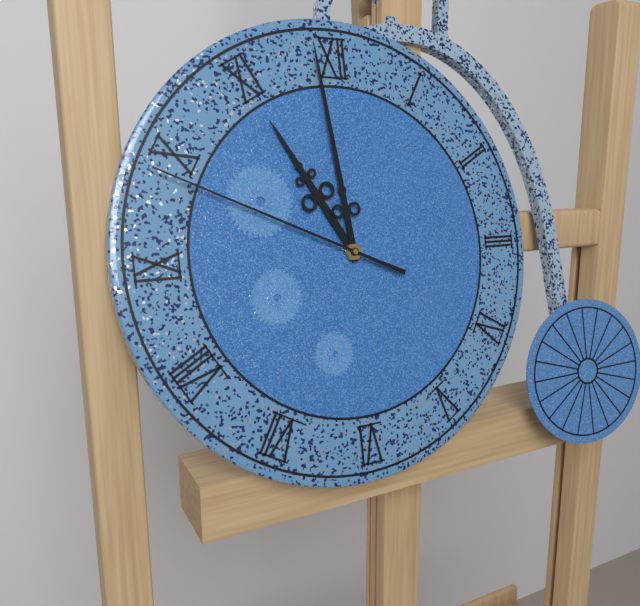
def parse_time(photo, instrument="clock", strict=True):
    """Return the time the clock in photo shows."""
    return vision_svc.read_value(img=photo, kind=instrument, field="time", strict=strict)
10:59:49
